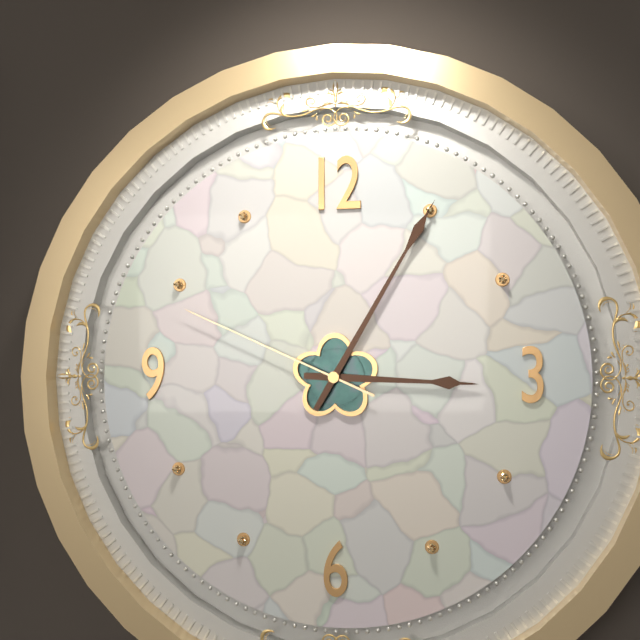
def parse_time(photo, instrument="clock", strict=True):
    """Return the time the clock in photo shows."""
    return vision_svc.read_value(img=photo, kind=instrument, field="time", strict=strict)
3:05:49
